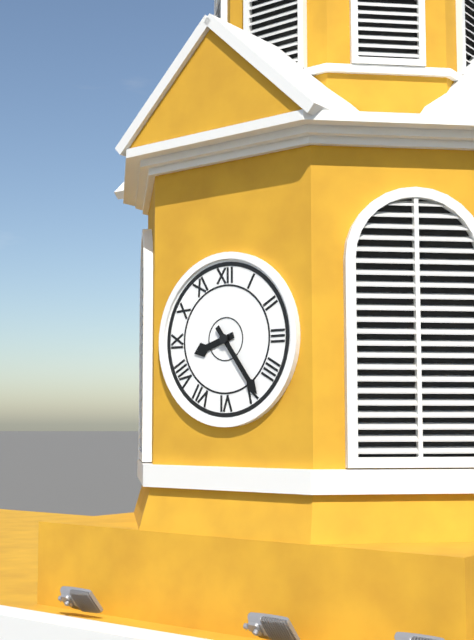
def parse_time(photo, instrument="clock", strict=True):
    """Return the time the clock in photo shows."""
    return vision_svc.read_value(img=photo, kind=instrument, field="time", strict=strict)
8:24
